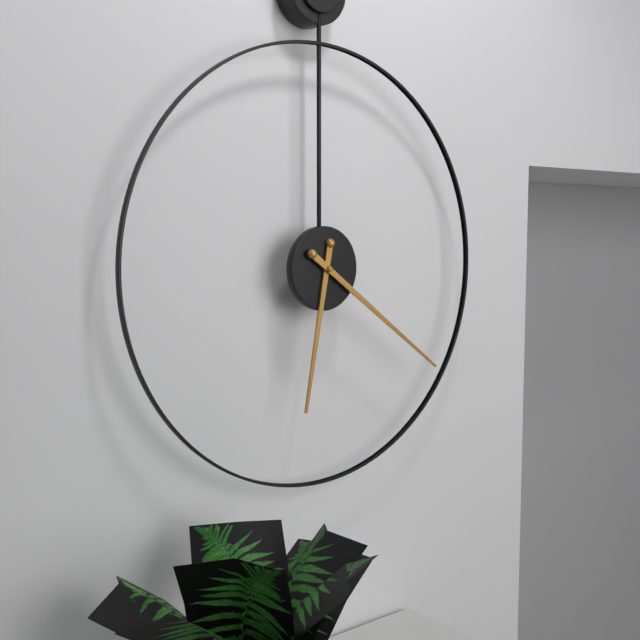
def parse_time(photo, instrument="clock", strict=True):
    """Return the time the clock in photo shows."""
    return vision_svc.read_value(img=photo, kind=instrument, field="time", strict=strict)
6:21
